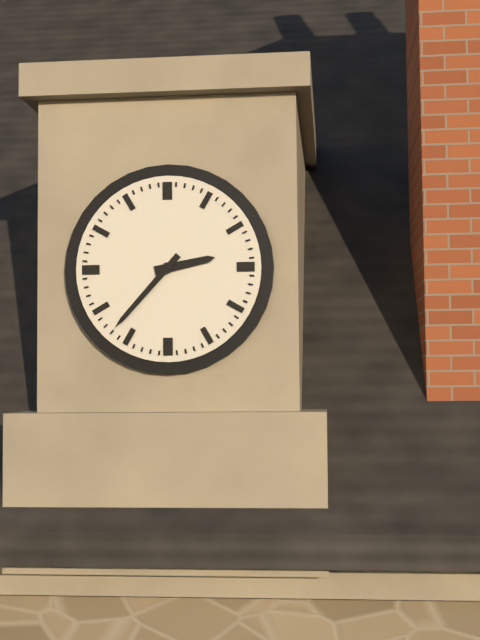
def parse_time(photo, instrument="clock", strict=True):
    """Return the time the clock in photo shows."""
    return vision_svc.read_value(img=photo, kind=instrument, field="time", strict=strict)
2:37
